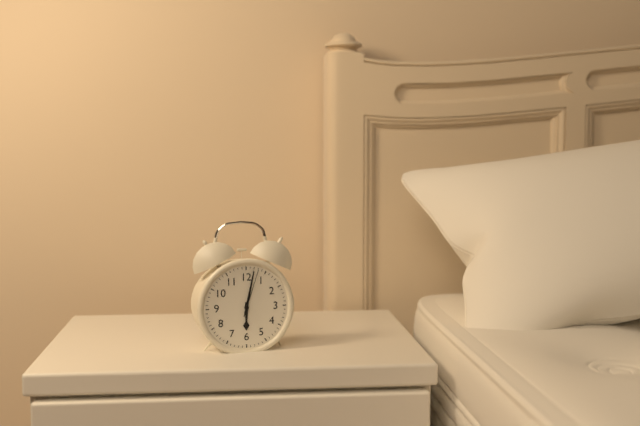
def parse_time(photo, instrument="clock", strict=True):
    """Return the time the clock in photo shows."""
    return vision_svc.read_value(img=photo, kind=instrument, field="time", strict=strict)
6:02
